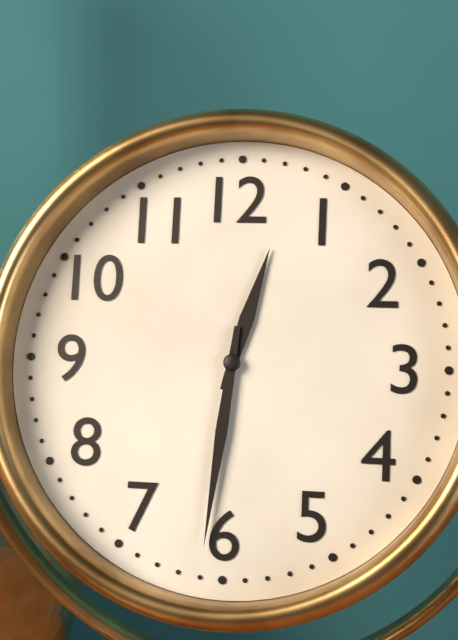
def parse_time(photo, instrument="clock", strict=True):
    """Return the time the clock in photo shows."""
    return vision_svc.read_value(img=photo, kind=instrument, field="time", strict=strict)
12:31
